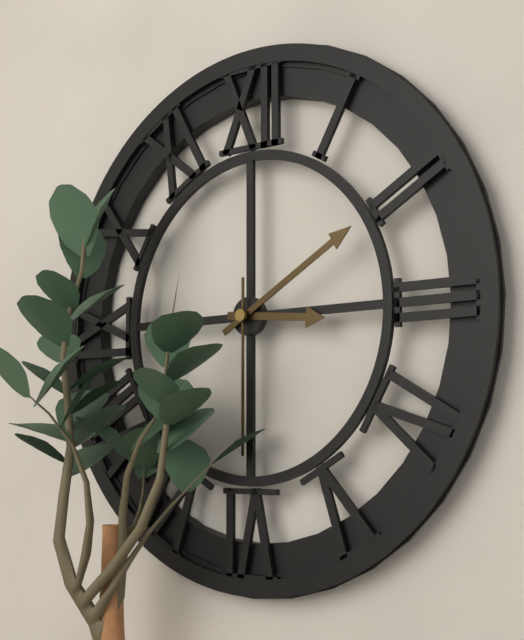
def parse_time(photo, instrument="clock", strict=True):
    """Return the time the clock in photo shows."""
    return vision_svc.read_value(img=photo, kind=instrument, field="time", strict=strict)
3:10:30
